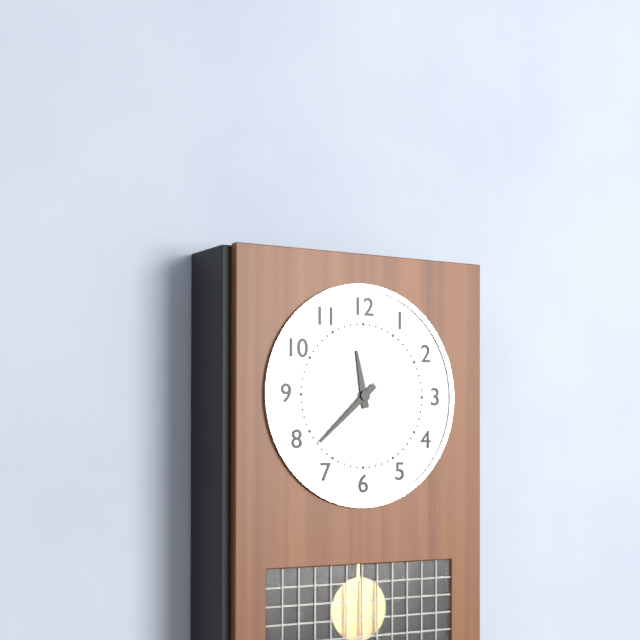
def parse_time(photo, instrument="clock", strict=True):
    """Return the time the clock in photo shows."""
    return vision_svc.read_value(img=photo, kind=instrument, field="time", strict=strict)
11:38
